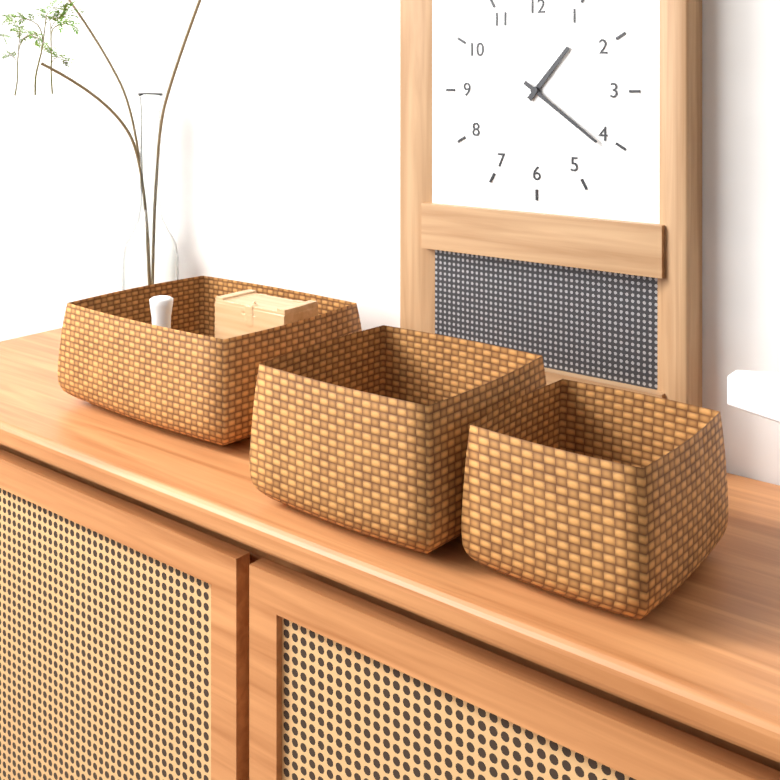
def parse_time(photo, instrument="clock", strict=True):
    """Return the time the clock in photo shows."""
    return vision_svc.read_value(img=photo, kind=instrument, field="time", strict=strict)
1:21
